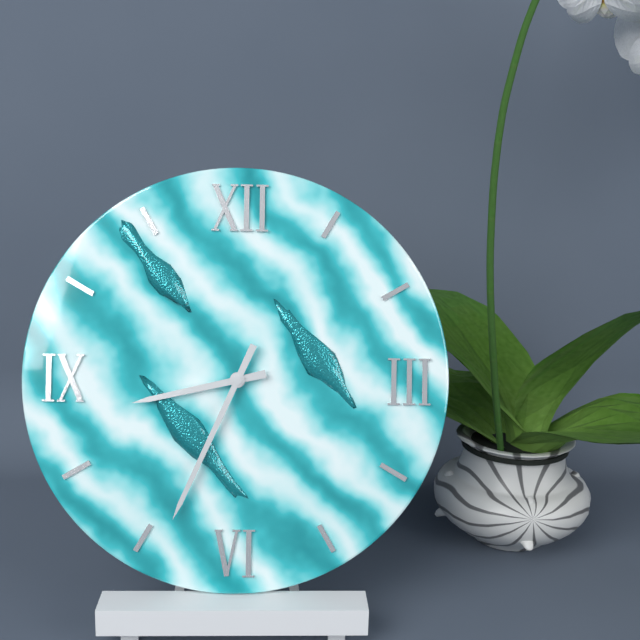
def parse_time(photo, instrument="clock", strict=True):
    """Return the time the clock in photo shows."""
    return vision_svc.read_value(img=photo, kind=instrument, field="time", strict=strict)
8:34
